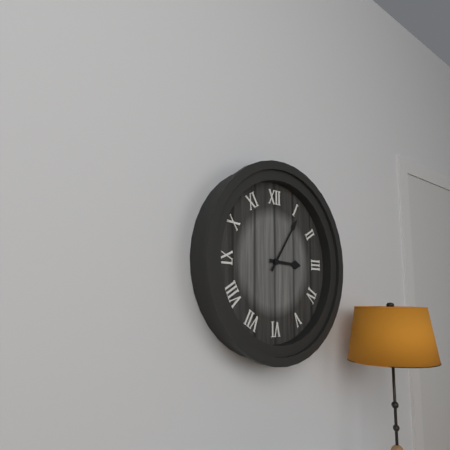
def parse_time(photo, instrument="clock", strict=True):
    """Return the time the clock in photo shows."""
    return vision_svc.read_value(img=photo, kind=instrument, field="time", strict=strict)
3:06
